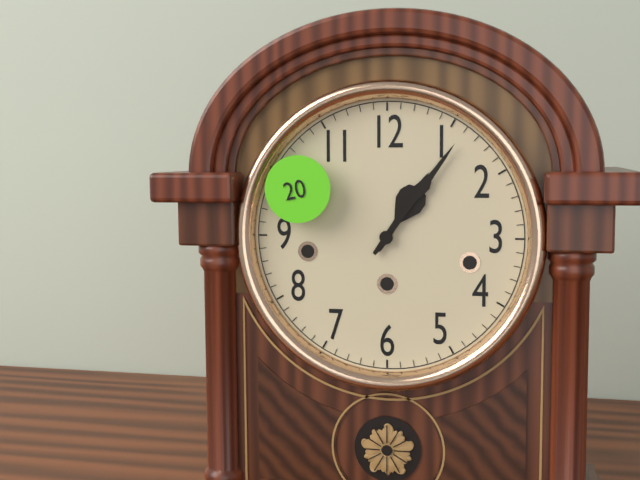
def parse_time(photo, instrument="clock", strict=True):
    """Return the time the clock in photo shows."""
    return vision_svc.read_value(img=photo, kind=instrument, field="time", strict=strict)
1:06
